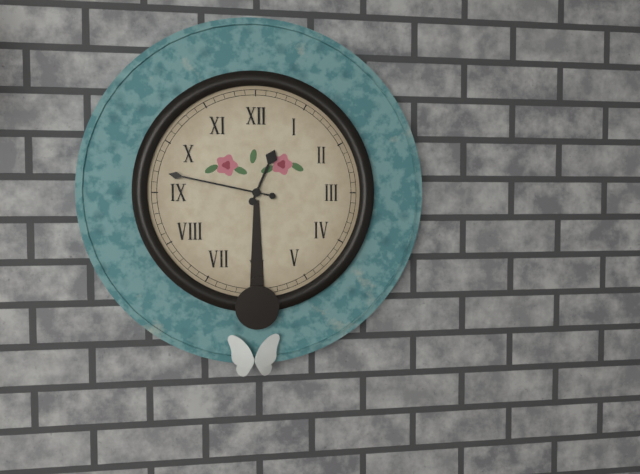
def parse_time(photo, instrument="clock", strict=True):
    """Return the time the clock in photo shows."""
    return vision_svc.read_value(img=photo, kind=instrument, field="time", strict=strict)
12:47
